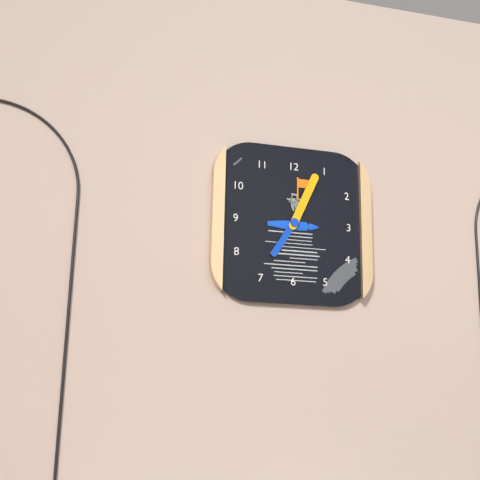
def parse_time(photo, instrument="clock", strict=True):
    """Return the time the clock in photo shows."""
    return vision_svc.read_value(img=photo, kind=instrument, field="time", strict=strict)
7:04
